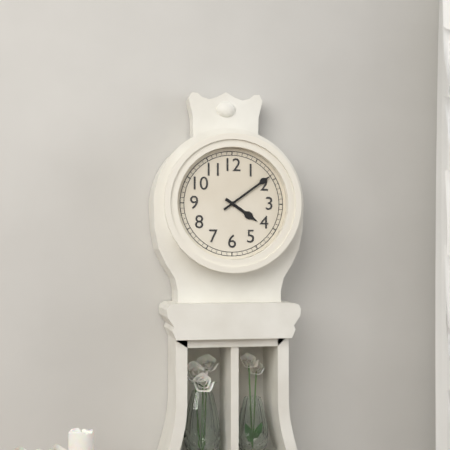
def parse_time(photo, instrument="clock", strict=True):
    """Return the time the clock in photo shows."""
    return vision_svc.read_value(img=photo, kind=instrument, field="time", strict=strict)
4:09
